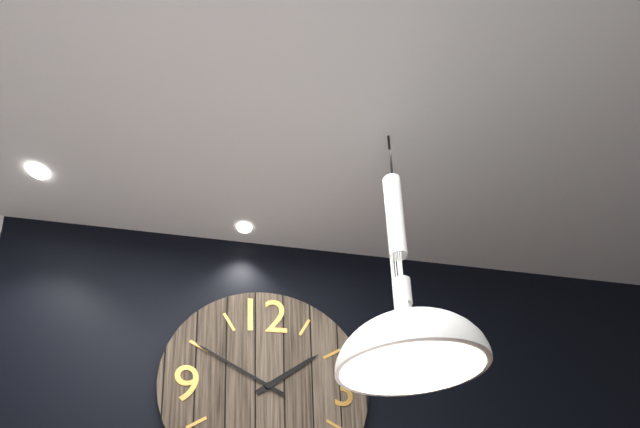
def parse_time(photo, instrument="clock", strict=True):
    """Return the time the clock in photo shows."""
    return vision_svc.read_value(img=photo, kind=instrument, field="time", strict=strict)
1:50
